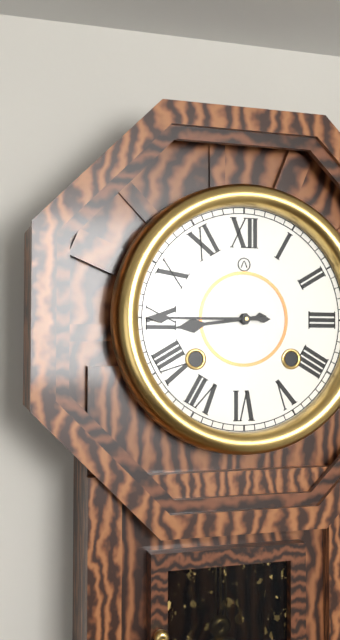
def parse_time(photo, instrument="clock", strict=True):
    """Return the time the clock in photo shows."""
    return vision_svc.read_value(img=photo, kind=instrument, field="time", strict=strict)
8:45
